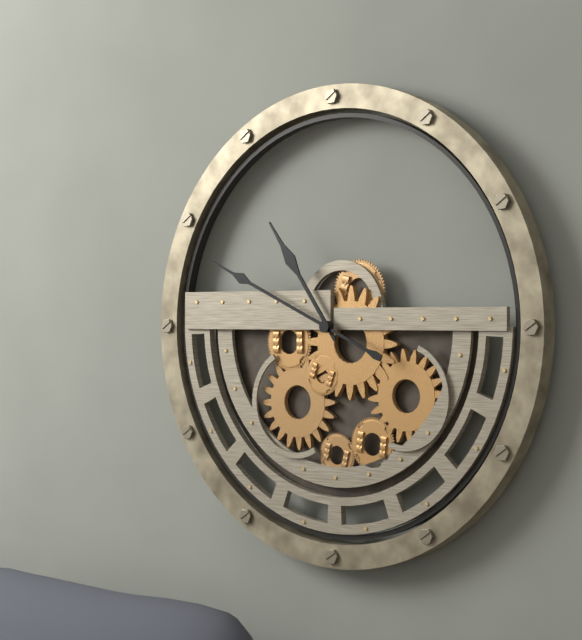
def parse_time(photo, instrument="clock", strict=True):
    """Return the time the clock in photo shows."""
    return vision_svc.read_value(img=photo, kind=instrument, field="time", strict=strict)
10:49
